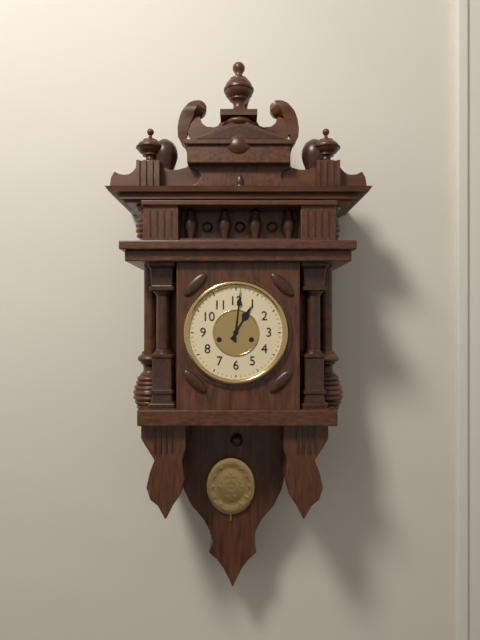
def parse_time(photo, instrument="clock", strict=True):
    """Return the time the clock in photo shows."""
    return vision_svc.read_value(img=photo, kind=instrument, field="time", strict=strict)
1:01
